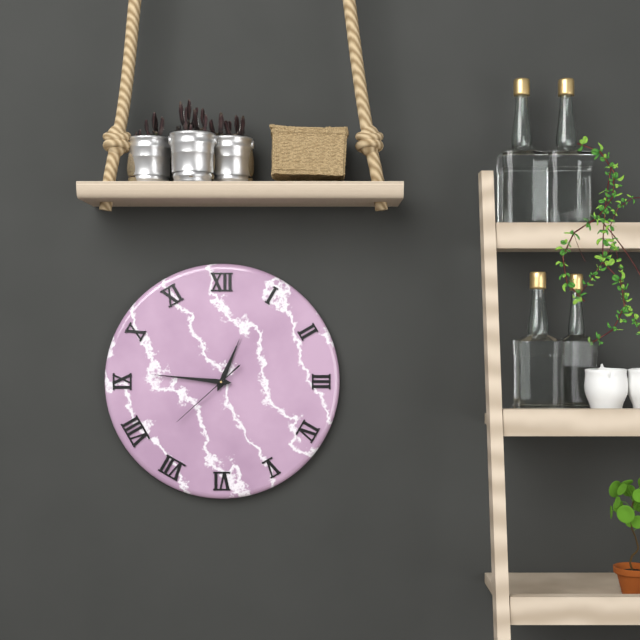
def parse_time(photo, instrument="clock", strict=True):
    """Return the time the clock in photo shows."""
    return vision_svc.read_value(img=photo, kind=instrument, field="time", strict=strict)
12:46:38
